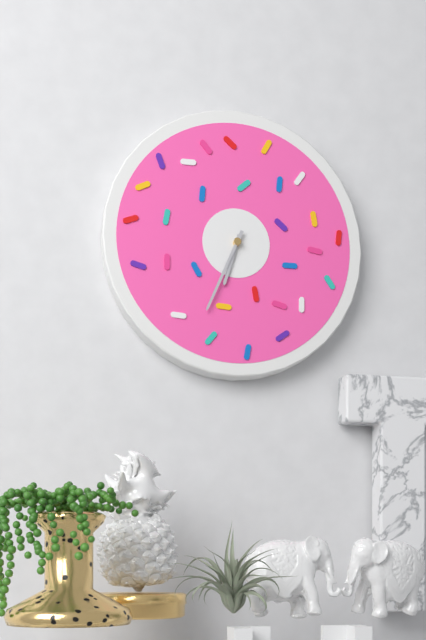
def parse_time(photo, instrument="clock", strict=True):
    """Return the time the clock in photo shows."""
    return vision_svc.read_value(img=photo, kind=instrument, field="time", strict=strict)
6:34
